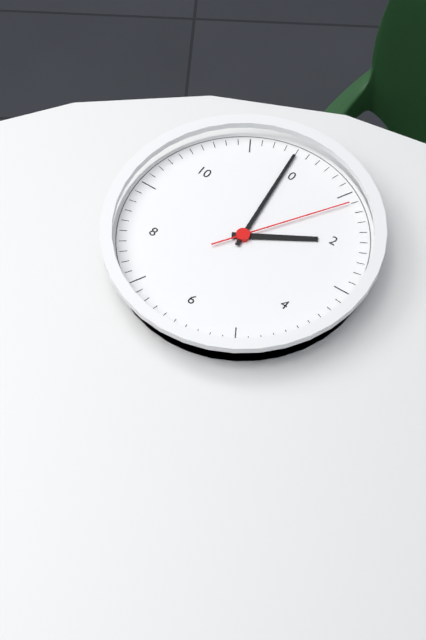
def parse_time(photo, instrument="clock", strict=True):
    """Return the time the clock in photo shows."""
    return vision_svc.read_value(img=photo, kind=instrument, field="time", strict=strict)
1:59:06
